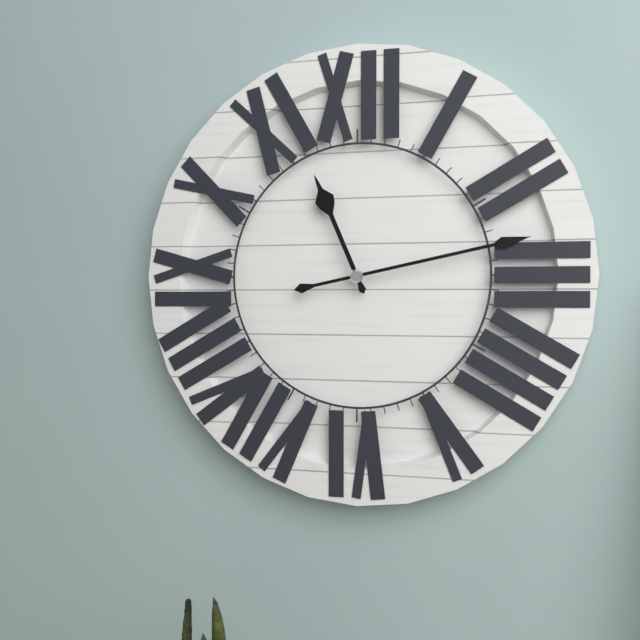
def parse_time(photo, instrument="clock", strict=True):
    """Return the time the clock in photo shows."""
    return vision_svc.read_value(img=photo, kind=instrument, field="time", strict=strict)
11:13
